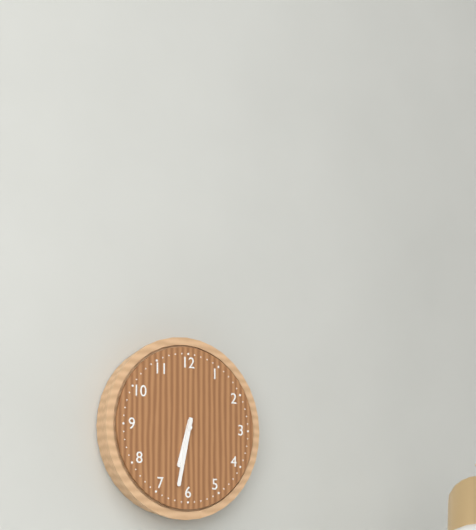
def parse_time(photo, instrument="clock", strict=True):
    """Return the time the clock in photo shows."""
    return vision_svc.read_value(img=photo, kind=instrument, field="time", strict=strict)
6:32
